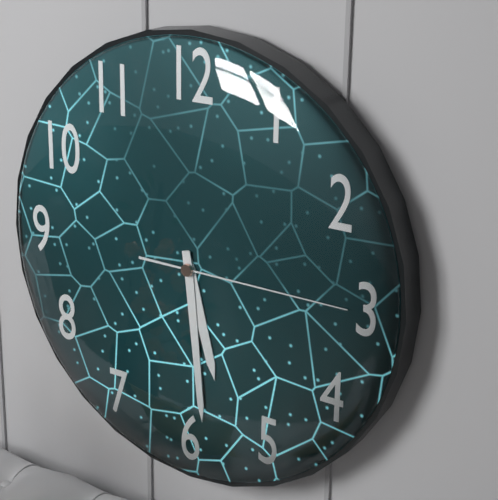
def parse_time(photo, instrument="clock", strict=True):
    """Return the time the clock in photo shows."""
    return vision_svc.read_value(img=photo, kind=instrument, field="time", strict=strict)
5:29:15
